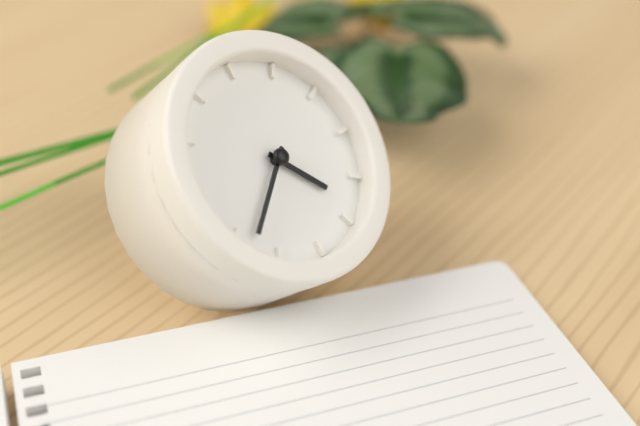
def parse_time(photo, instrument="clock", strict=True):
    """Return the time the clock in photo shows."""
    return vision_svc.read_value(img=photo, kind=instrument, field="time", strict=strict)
4:38
